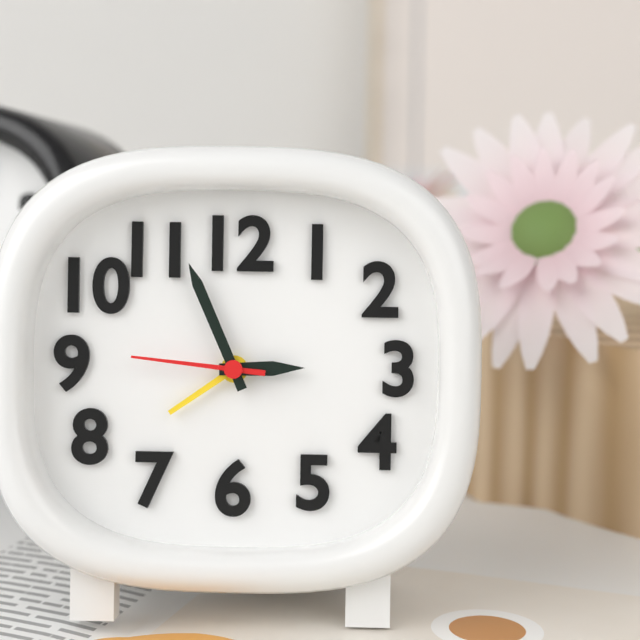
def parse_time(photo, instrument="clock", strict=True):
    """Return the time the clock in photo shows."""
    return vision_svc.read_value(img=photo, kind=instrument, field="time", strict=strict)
2:56:46
